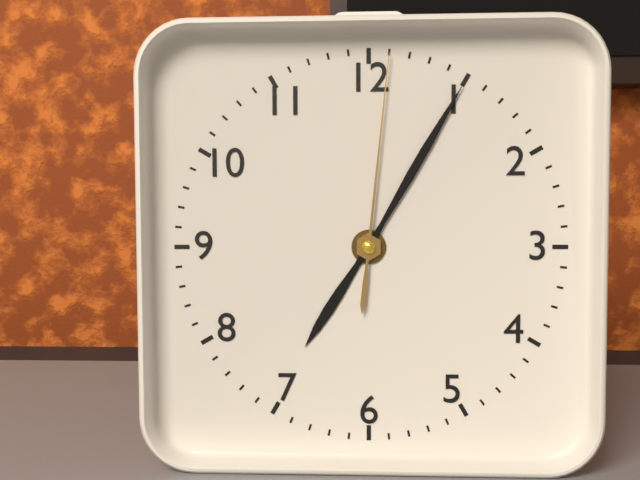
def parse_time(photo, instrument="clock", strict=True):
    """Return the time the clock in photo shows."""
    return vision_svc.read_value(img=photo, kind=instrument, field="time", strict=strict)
7:05:01
